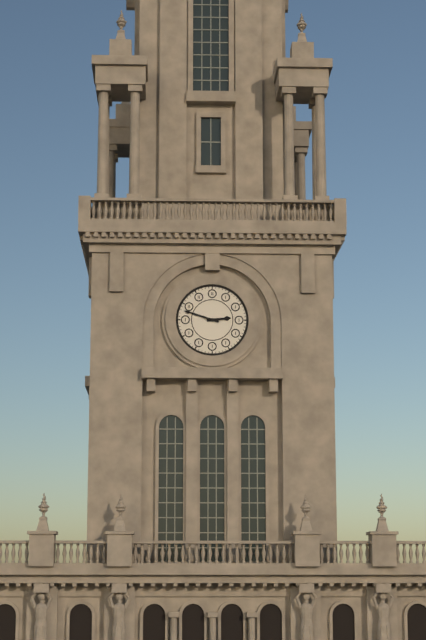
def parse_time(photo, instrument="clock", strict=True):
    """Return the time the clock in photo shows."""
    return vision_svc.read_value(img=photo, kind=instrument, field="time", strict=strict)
2:48
